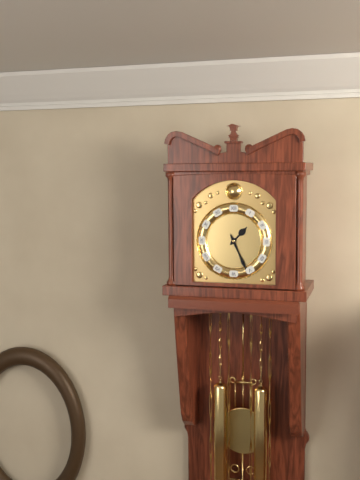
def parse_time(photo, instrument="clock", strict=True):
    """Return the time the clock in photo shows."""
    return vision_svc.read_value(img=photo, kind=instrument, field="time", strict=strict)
1:26
